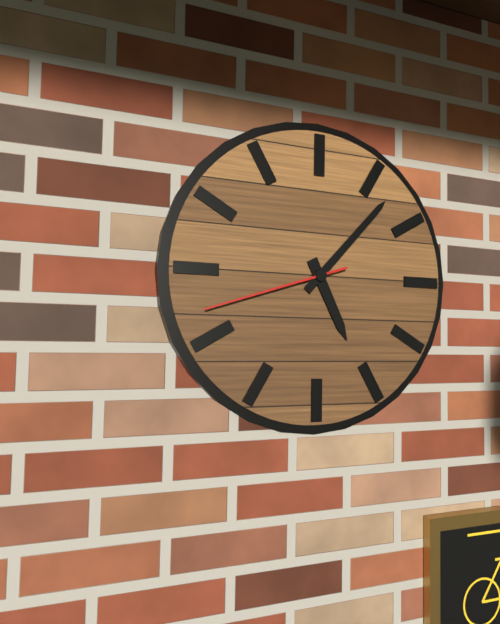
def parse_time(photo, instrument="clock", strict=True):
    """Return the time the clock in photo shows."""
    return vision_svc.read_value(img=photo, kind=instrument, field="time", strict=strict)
5:07:42
